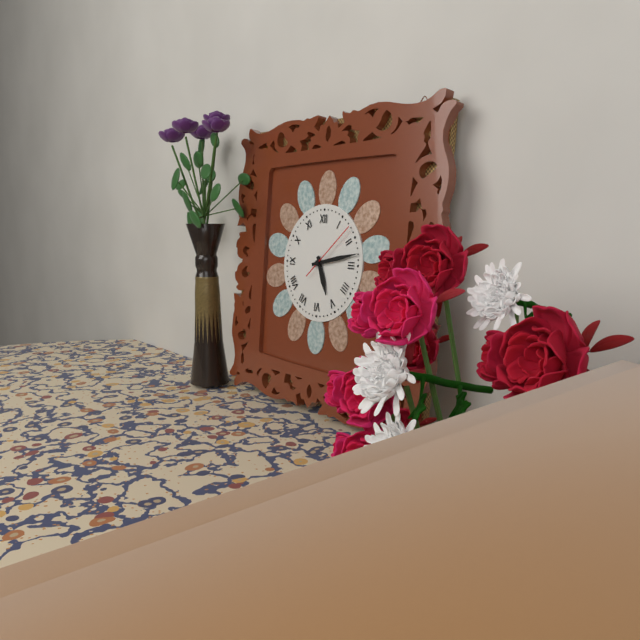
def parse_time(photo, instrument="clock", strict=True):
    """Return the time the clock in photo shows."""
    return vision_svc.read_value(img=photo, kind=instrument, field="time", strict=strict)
5:13:08
